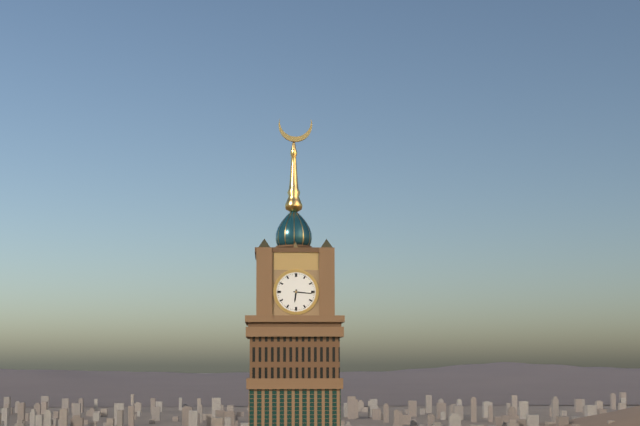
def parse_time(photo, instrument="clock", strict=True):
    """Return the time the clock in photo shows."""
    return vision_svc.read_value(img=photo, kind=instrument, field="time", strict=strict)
6:16
